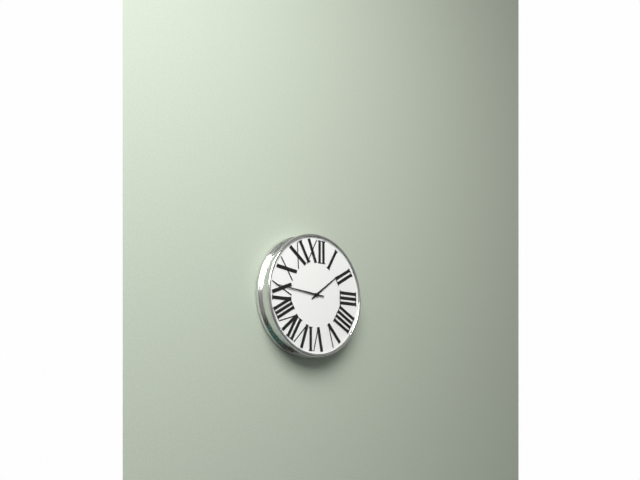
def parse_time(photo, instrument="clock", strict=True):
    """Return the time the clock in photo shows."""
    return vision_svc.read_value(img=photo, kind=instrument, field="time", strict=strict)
1:46
